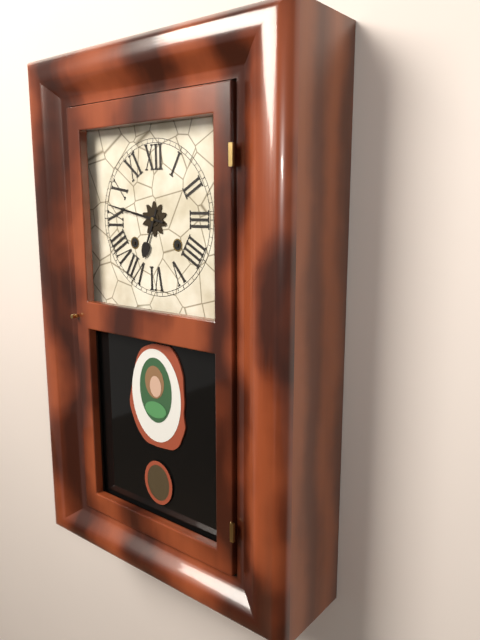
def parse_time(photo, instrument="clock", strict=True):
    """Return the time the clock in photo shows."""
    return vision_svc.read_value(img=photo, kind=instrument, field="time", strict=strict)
6:47
